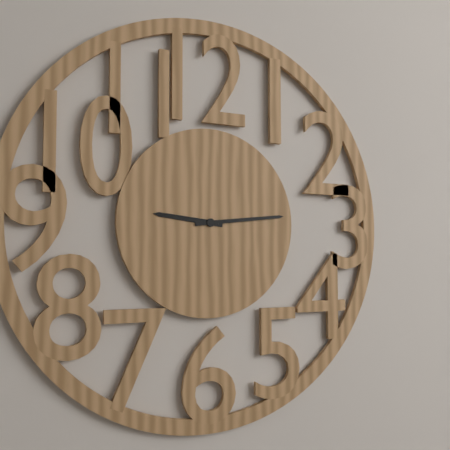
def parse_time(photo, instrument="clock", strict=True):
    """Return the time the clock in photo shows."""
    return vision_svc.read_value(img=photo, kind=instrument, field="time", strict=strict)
9:14
